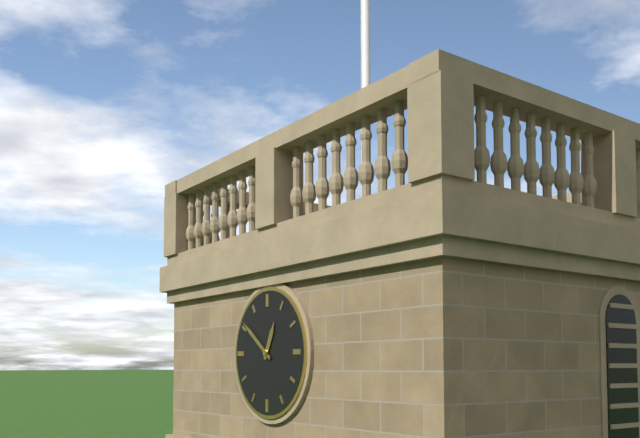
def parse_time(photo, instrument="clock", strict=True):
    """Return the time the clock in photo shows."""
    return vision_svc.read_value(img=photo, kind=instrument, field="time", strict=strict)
12:51
